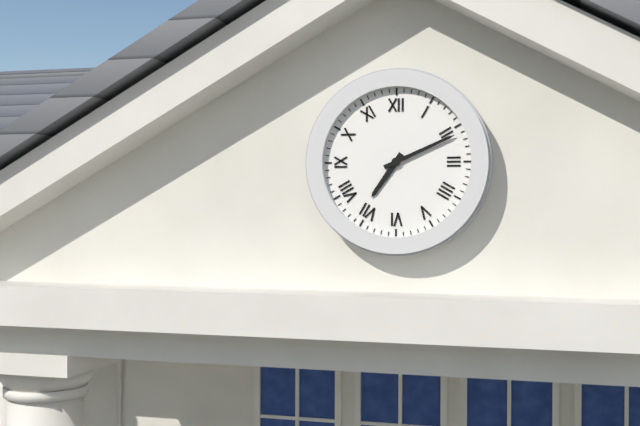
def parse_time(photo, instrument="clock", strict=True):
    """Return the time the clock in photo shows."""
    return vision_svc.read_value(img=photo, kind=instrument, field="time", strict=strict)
7:11
